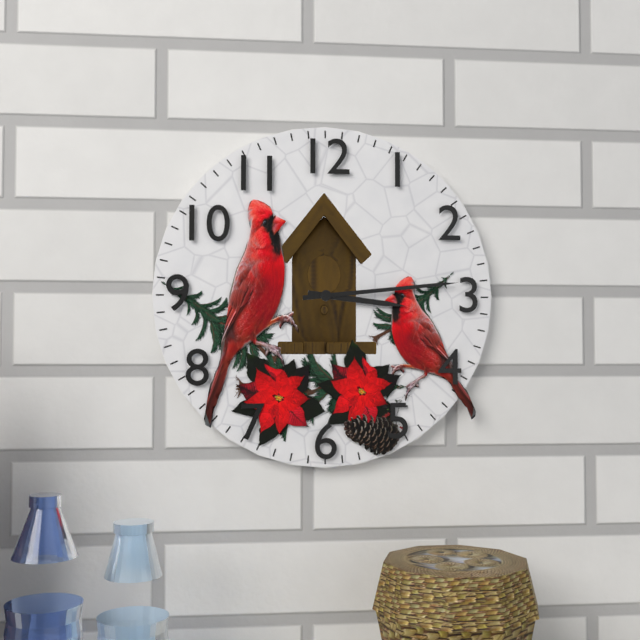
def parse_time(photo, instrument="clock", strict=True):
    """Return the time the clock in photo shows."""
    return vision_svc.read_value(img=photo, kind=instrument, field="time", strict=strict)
3:14
